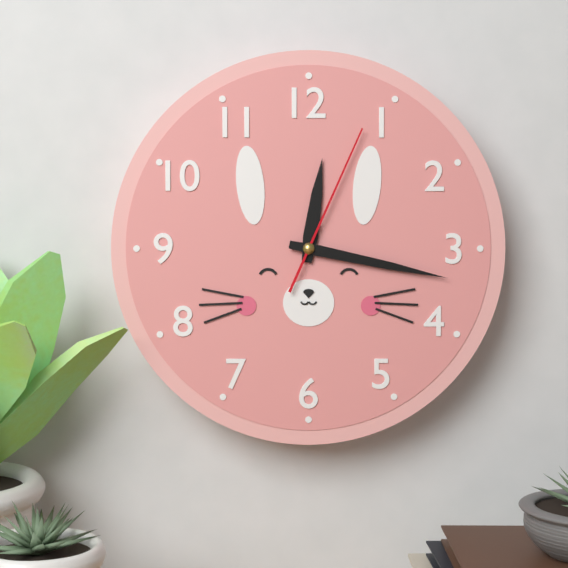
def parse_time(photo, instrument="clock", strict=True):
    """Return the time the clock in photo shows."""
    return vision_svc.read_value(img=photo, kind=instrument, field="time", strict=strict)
12:17:04
